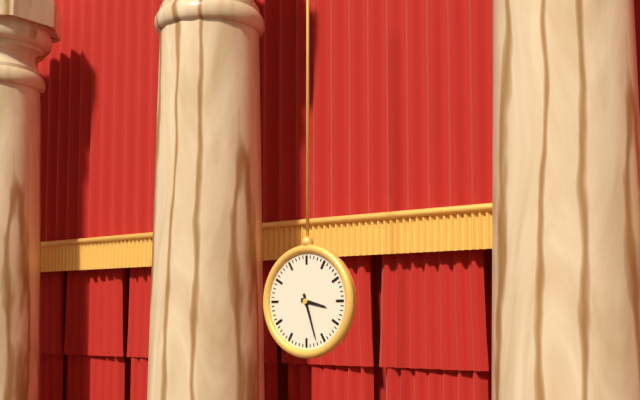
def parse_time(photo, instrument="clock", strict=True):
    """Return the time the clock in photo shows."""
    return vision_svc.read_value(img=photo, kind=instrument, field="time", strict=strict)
3:27
